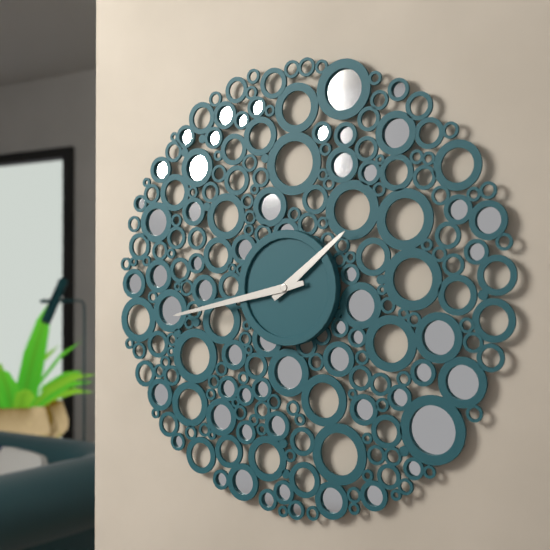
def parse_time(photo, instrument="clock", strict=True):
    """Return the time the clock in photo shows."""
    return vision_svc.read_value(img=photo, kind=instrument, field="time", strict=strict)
1:43
